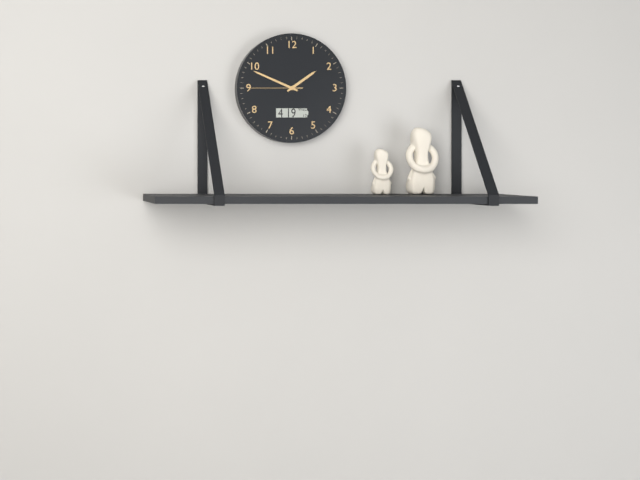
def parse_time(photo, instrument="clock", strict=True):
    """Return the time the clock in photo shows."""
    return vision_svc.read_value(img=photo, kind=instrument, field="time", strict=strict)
1:49:45
